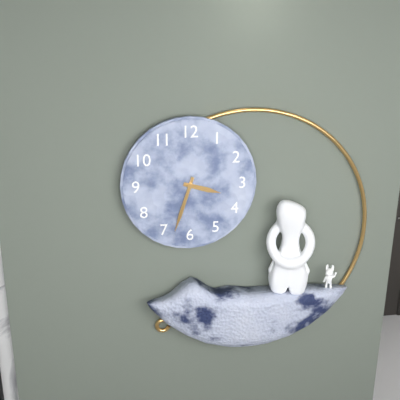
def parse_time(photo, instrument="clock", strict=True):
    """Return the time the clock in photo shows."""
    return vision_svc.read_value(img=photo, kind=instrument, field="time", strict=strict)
3:33
